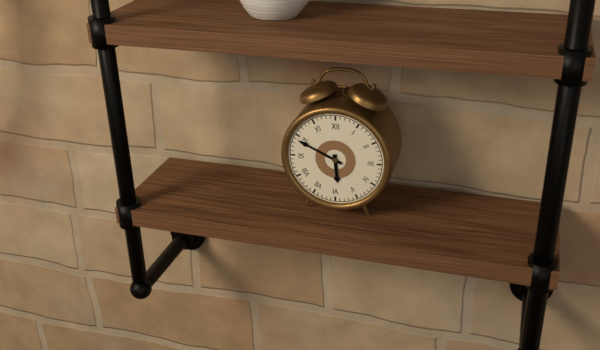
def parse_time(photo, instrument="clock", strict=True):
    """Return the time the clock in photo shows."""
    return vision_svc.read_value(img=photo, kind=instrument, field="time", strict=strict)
5:49
